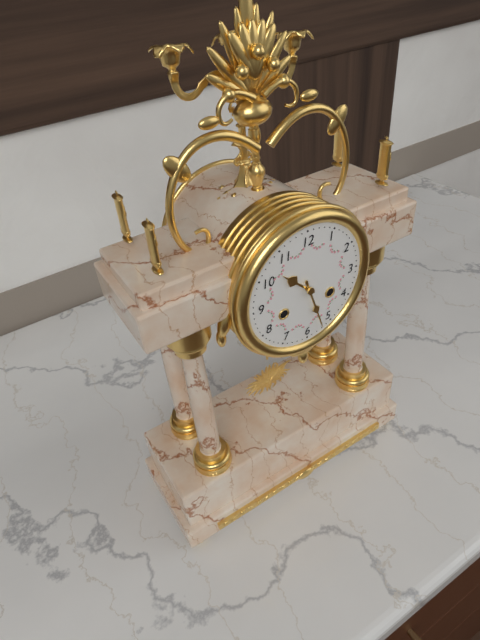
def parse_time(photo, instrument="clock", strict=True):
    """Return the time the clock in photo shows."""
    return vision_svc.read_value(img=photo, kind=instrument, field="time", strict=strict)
10:27
